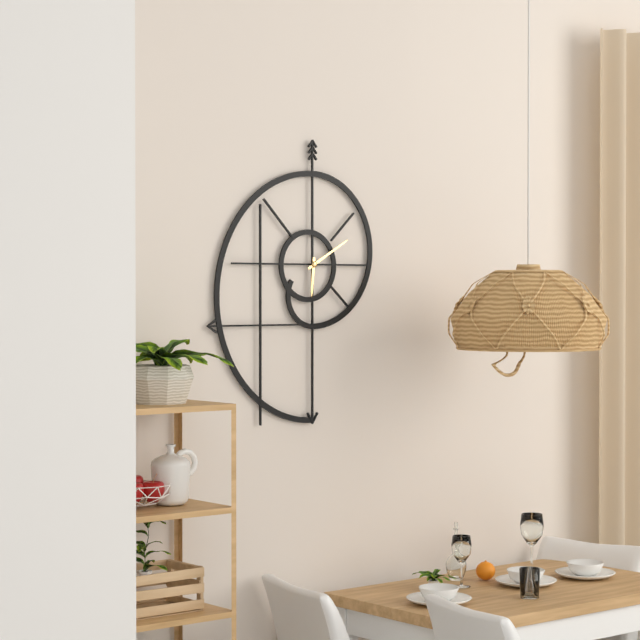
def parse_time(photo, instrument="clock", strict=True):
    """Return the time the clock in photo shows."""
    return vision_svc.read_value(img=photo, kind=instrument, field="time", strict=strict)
6:10
